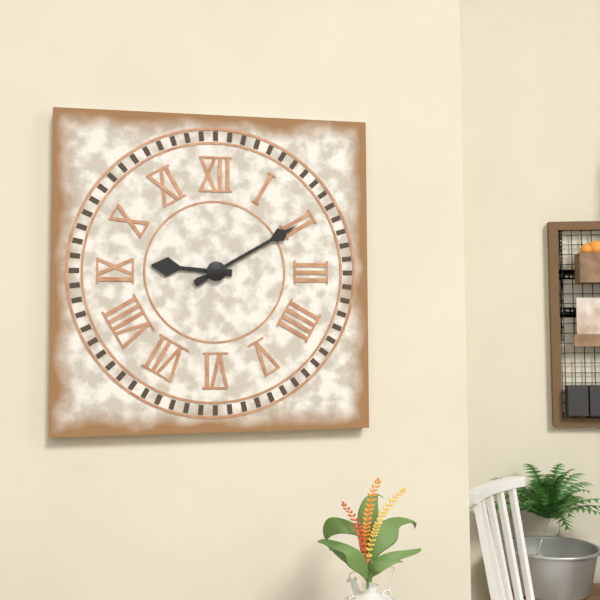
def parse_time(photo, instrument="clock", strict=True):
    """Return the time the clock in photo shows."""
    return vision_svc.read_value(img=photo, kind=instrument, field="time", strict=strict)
9:10
